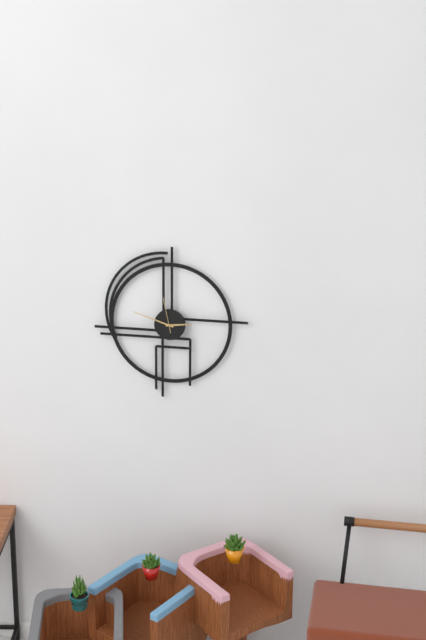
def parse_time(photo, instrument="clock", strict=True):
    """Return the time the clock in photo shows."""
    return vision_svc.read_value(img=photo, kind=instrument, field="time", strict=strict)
2:48
